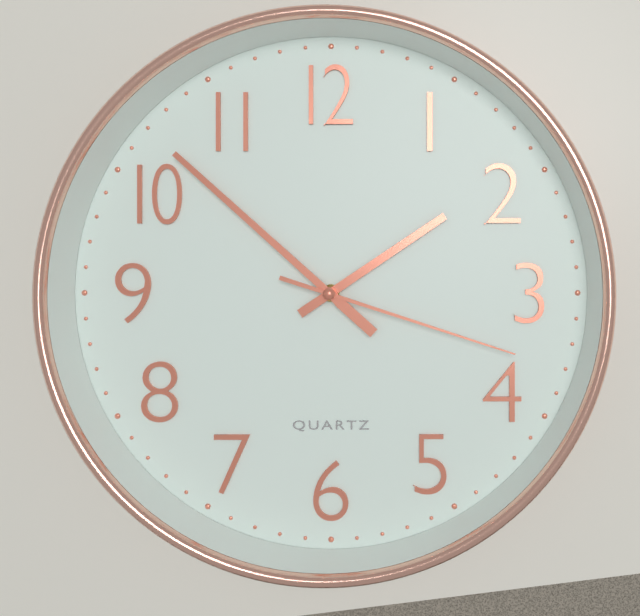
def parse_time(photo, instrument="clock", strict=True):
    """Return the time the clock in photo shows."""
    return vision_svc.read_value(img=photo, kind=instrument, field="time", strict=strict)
1:52:18
